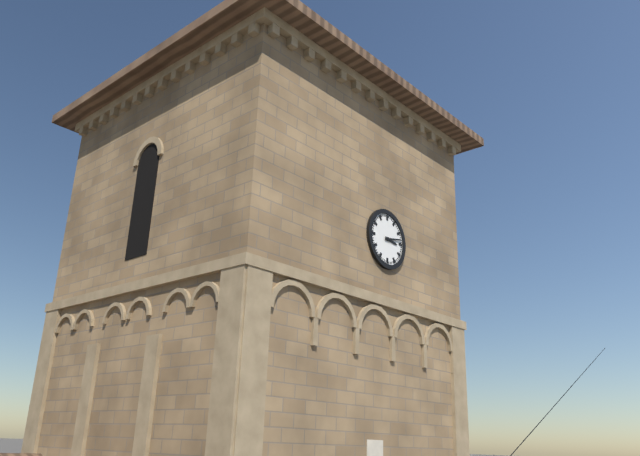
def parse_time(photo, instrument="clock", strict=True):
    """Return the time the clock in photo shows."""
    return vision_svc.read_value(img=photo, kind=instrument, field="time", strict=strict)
3:13
